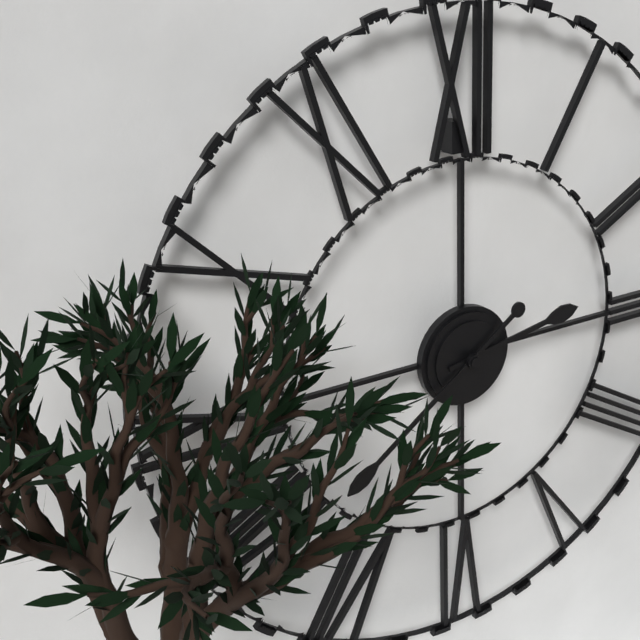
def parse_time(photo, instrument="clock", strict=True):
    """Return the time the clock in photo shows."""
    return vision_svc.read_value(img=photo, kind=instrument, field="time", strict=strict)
2:39
